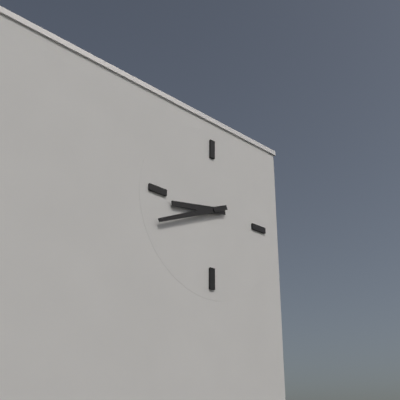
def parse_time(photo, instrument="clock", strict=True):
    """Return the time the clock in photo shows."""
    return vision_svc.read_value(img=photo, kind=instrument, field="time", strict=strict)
8:41
